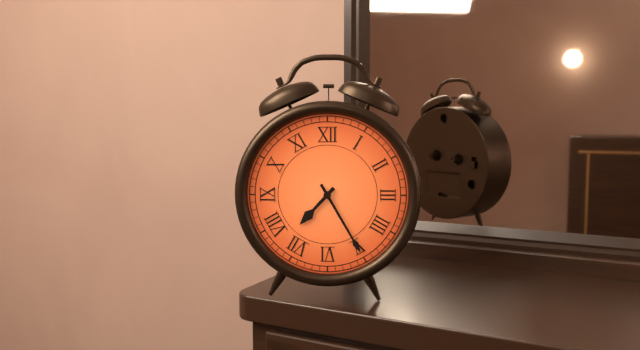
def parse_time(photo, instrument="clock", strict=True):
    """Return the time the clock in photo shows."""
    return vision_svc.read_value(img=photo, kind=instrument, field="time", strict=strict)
7:25
